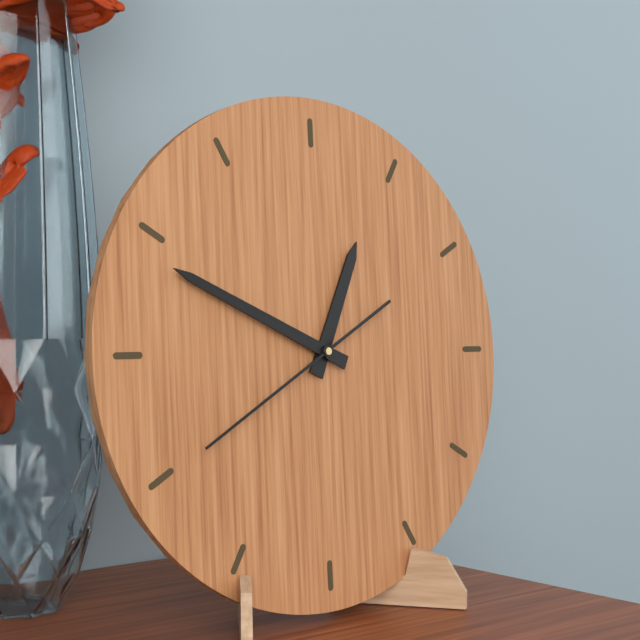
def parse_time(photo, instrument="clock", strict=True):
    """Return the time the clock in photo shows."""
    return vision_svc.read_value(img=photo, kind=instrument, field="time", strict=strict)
12:49:40
